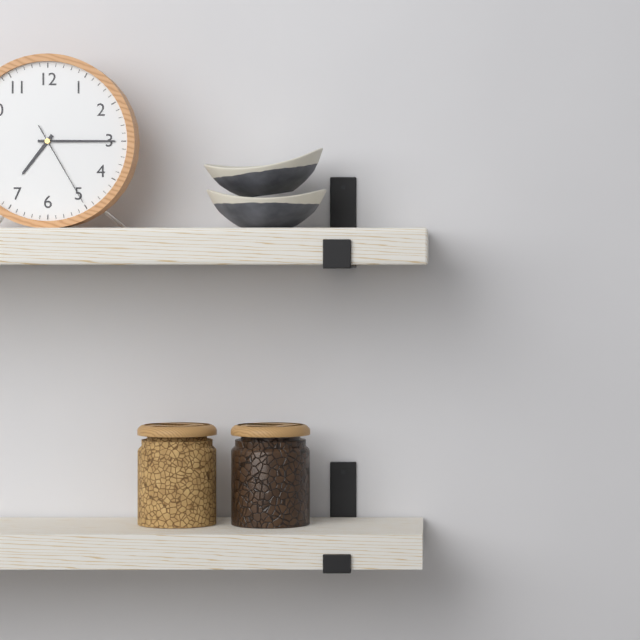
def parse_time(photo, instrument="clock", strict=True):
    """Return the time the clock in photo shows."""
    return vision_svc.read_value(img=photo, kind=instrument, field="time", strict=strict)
7:15:25
